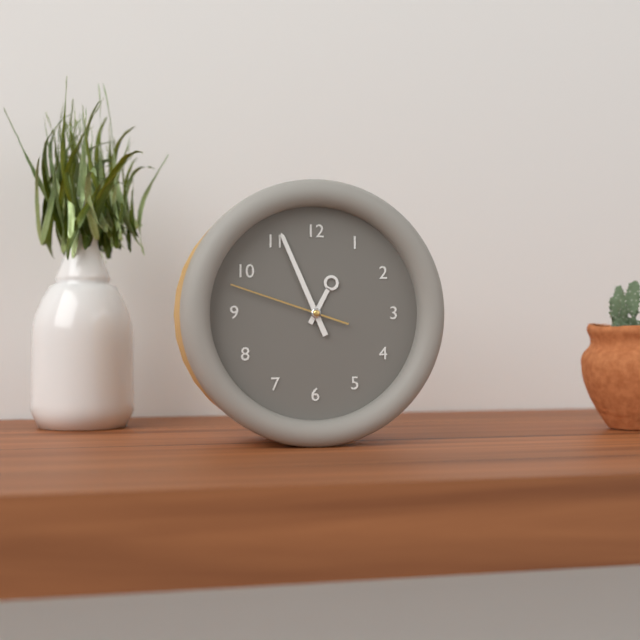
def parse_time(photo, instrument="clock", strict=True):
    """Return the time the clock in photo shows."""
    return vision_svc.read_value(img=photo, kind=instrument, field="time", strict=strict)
12:56:48
